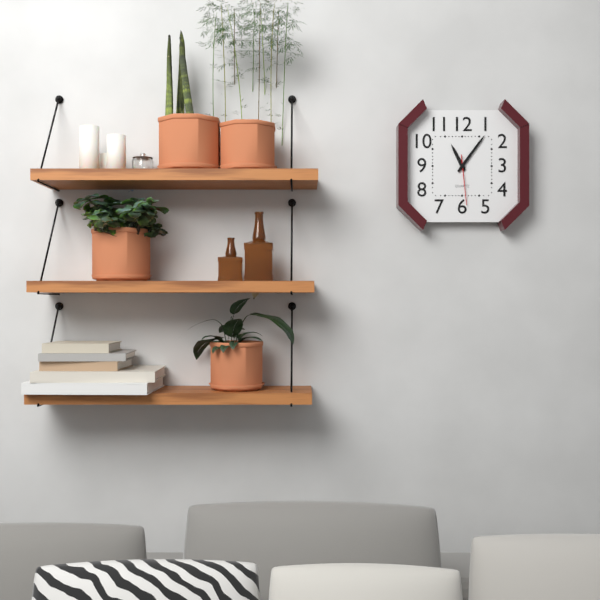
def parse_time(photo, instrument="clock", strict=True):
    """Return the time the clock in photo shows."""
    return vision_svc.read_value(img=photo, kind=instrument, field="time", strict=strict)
11:06
